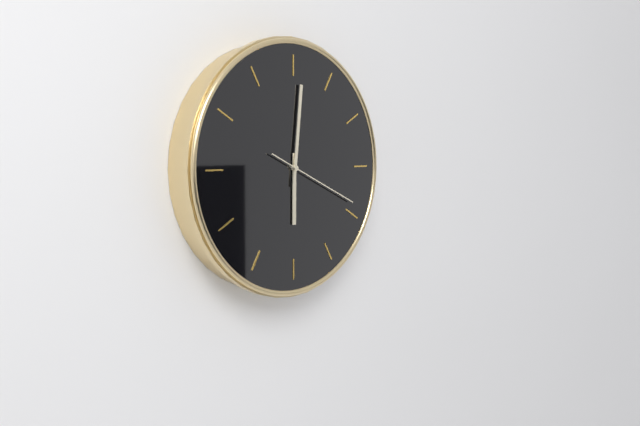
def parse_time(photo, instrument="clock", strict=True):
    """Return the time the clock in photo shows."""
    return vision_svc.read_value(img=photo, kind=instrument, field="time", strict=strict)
6:01:19
